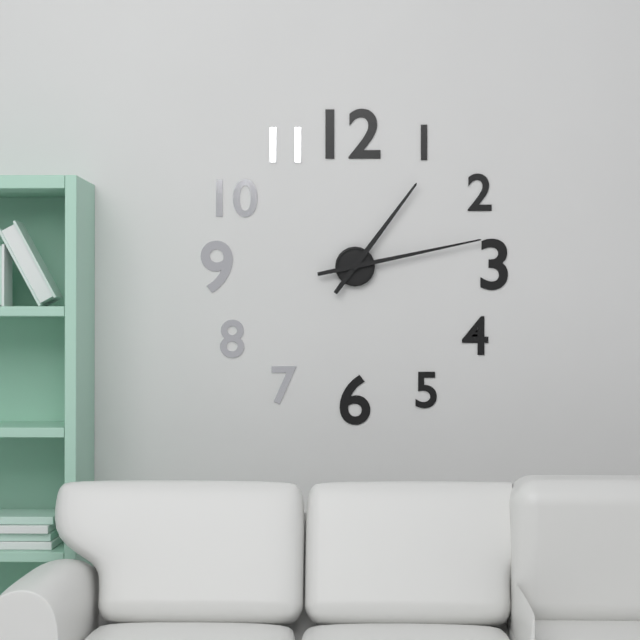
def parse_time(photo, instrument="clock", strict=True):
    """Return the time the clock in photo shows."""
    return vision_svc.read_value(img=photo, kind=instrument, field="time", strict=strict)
1:13
